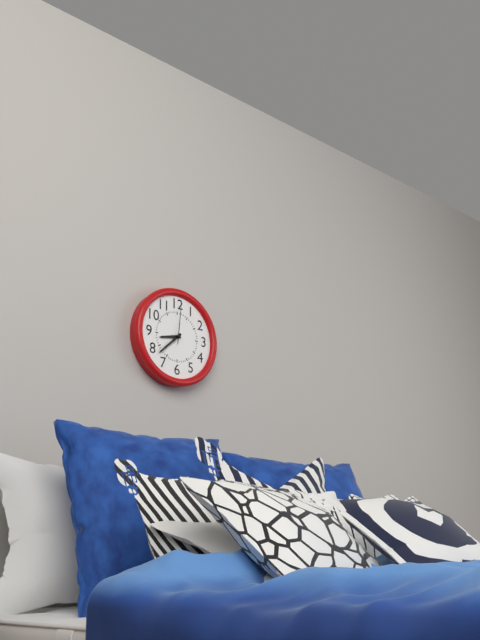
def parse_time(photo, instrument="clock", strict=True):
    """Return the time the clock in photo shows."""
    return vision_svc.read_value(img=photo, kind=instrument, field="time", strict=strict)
8:38
